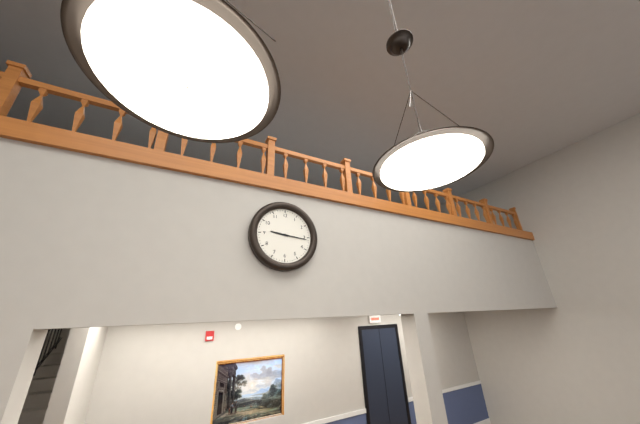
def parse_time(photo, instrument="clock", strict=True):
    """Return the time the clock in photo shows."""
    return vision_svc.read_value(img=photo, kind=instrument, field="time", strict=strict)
9:16
